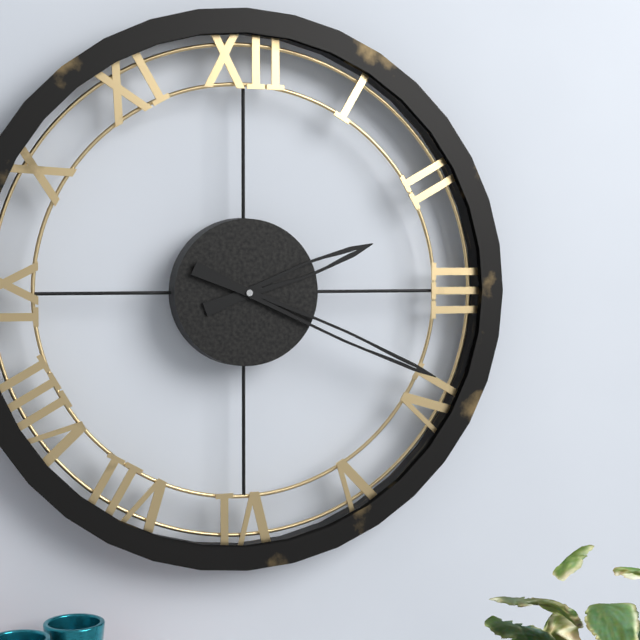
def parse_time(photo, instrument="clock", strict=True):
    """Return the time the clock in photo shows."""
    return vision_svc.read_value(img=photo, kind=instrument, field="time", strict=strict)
2:19
